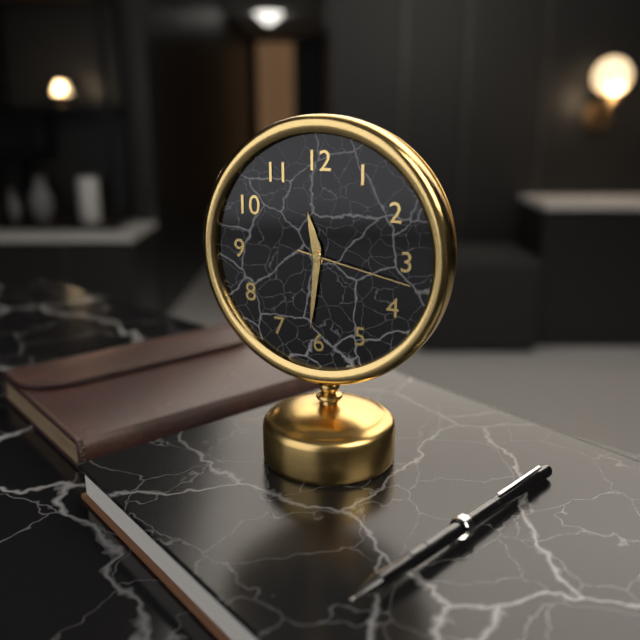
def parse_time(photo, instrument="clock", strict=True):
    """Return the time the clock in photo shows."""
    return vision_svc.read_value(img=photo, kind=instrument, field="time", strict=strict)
11:31:17
